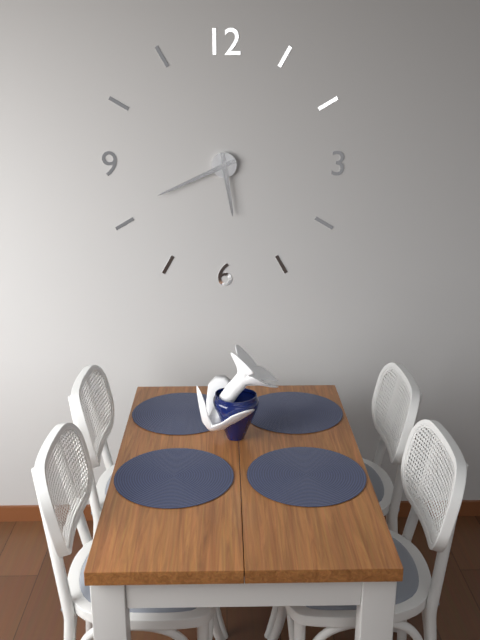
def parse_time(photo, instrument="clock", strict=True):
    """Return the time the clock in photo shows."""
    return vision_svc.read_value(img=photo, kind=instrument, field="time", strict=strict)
5:41
